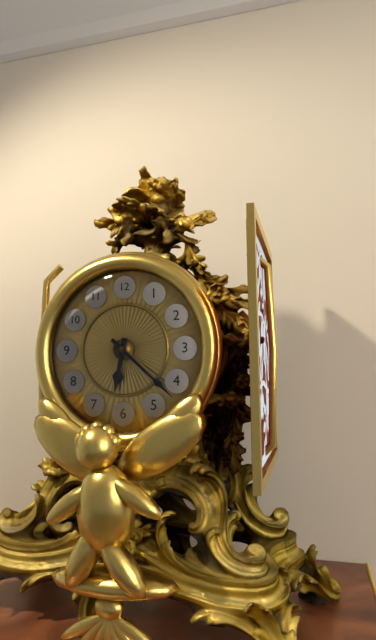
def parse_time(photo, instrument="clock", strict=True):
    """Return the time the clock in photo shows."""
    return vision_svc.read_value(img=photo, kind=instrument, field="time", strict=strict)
6:22
